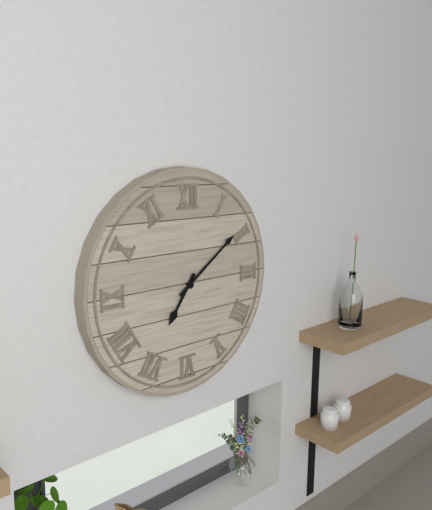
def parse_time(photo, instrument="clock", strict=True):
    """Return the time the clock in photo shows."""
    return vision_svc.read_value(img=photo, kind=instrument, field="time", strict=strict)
7:09
